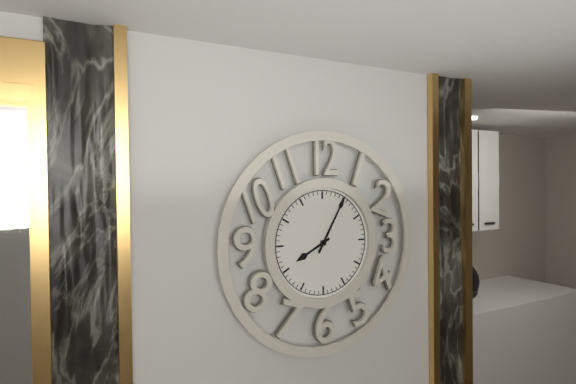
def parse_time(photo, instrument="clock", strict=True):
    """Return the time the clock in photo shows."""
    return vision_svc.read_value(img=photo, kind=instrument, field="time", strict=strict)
8:05
